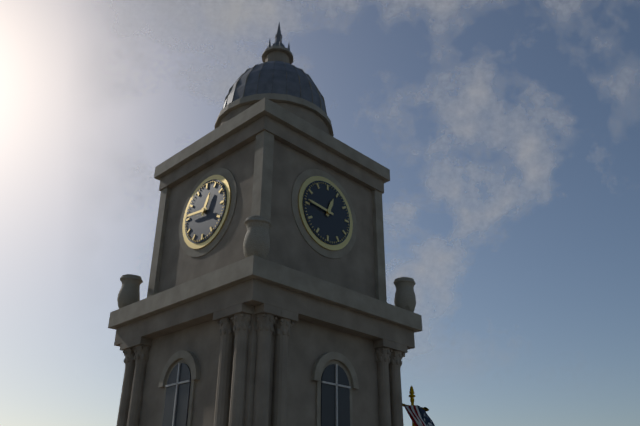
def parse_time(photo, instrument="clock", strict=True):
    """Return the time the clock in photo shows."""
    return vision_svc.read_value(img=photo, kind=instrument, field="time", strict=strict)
12:46
